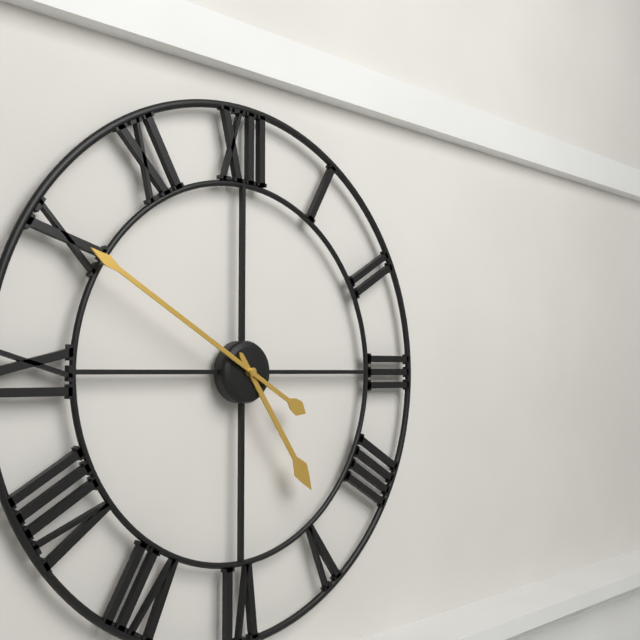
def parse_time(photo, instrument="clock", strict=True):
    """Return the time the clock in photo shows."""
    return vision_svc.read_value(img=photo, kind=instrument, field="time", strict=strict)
4:50
